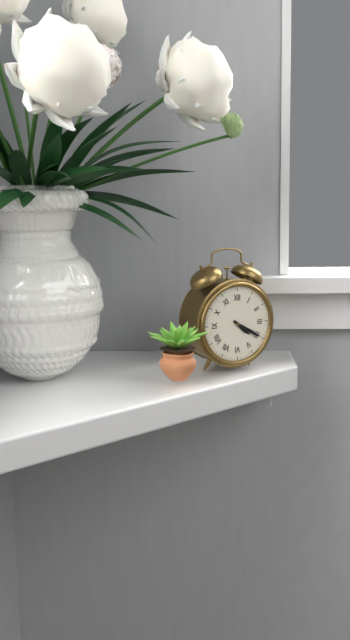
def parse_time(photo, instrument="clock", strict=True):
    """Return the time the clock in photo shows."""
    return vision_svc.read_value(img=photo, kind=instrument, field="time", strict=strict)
4:20
